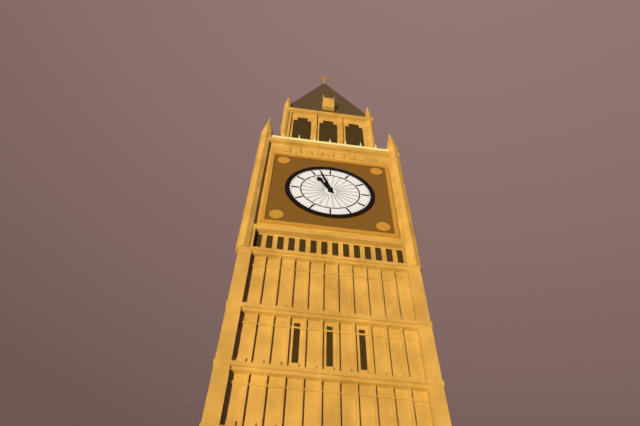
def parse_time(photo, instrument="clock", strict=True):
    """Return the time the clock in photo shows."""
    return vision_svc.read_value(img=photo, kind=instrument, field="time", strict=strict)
10:57
